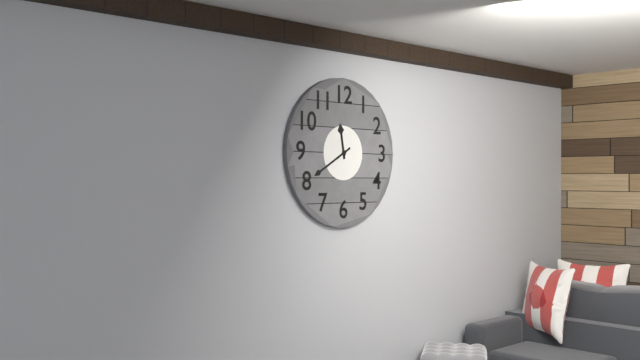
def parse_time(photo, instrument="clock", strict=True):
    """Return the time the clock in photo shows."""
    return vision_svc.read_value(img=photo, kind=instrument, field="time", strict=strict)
11:40
